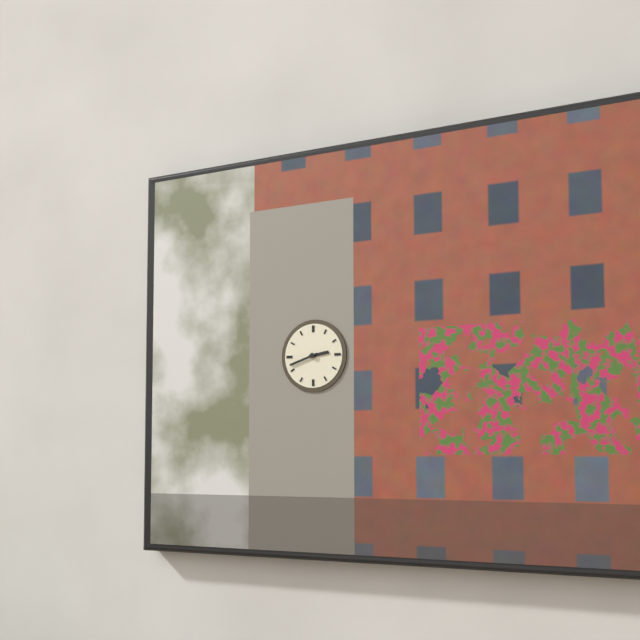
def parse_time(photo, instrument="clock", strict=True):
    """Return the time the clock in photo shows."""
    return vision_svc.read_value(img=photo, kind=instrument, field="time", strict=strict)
2:42
